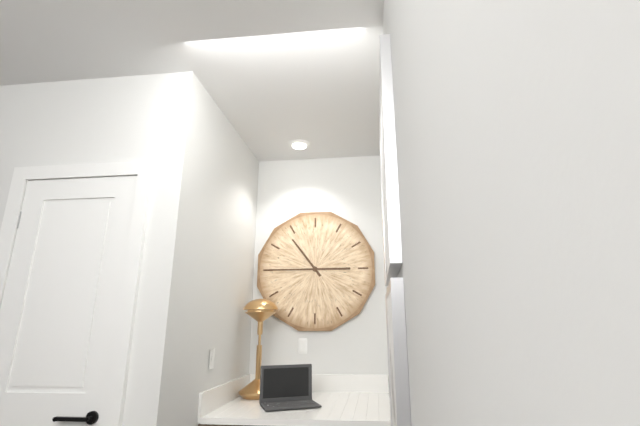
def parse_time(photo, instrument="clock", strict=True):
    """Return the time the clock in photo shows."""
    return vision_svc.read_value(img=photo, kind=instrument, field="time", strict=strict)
10:45
